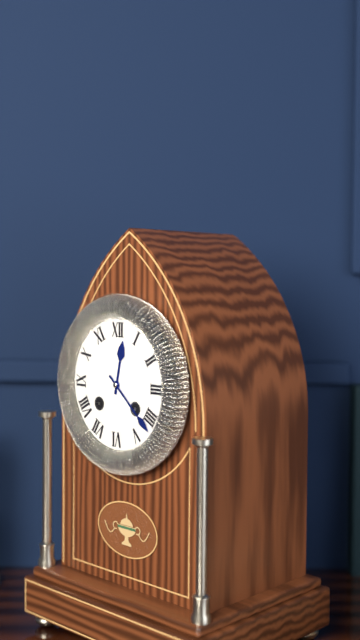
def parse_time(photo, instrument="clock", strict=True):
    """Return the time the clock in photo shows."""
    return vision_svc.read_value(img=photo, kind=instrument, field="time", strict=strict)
12:22
